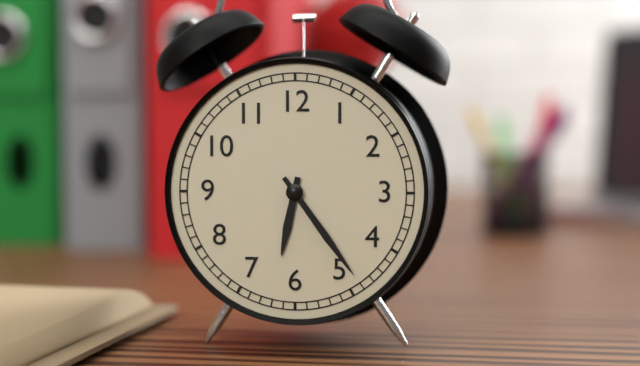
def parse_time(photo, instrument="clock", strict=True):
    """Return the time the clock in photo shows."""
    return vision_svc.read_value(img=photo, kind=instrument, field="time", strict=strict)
6:24
